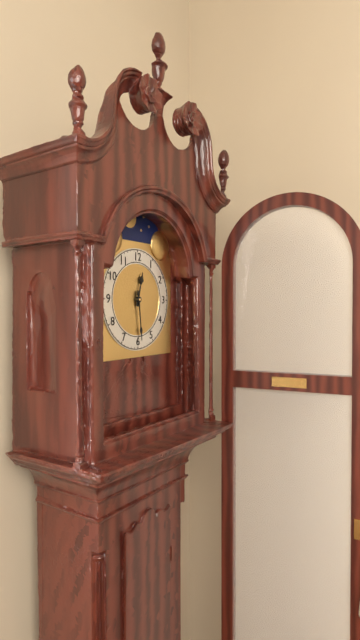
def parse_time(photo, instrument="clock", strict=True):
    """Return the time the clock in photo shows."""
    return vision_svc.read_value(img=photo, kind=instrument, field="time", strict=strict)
12:29
